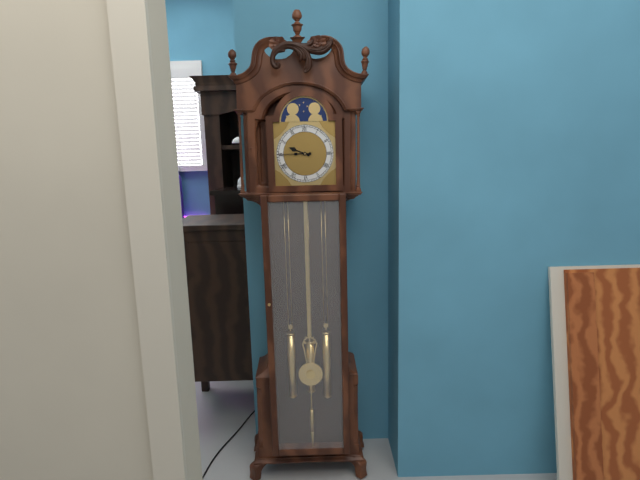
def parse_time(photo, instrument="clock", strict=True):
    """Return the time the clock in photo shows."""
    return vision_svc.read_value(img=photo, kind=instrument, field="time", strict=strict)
9:45
